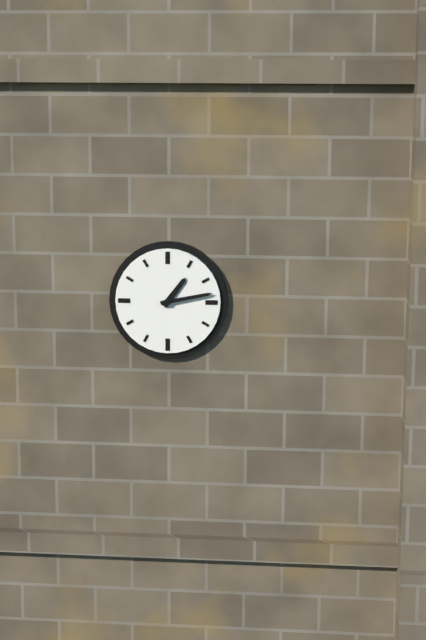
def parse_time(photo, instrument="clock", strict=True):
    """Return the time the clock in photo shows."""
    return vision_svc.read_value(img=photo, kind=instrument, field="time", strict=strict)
1:13
